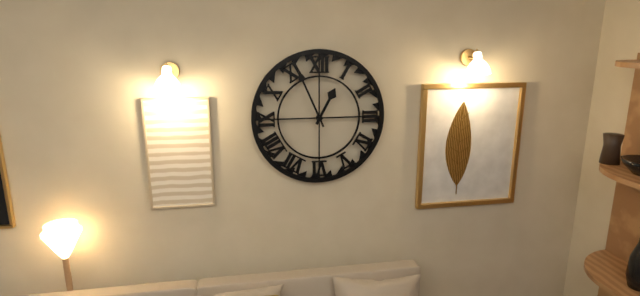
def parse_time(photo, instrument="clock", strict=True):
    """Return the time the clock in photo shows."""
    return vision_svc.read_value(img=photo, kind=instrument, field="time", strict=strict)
12:56
